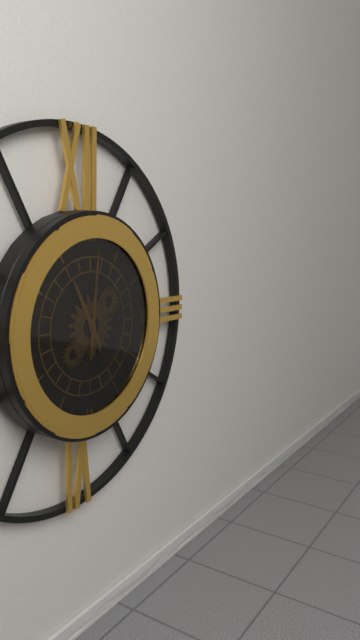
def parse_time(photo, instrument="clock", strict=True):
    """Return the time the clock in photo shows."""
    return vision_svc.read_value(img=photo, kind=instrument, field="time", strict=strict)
11:01
